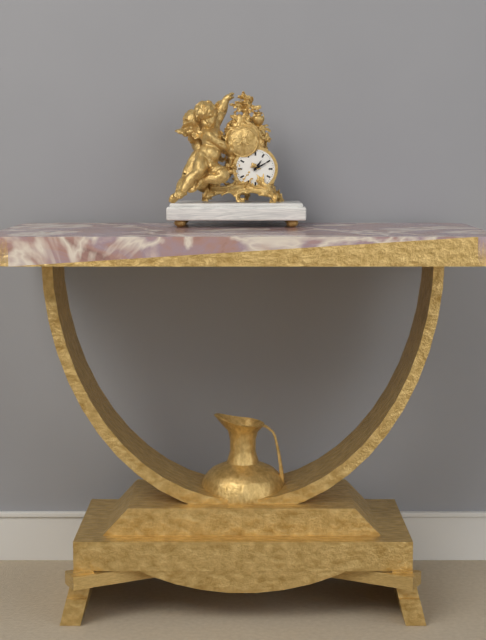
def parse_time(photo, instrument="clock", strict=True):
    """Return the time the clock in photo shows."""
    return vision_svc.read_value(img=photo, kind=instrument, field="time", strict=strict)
1:10
